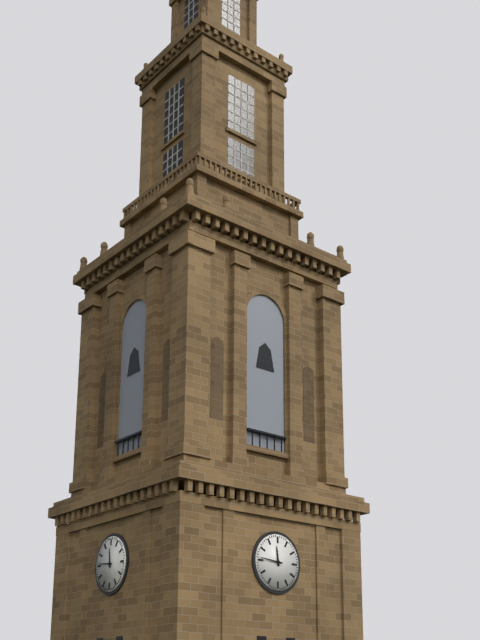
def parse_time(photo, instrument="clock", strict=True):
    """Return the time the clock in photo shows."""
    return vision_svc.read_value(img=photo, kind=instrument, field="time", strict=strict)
11:46
